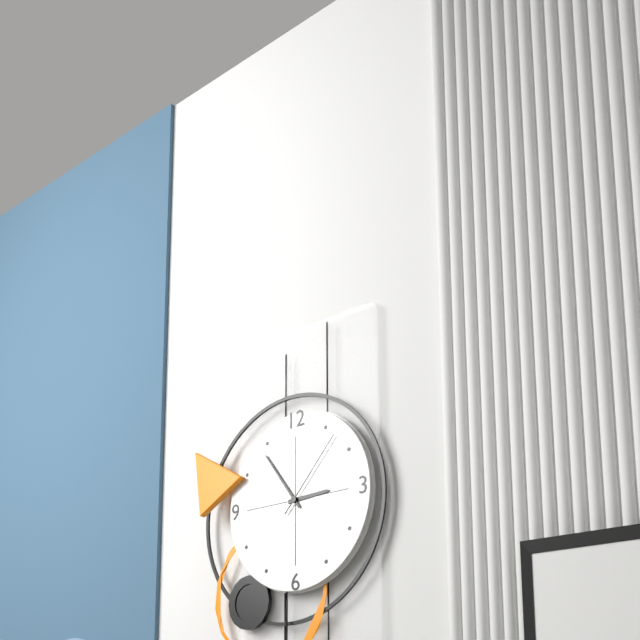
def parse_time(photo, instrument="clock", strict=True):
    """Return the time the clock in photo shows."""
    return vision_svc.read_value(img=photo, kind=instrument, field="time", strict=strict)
2:54:07
